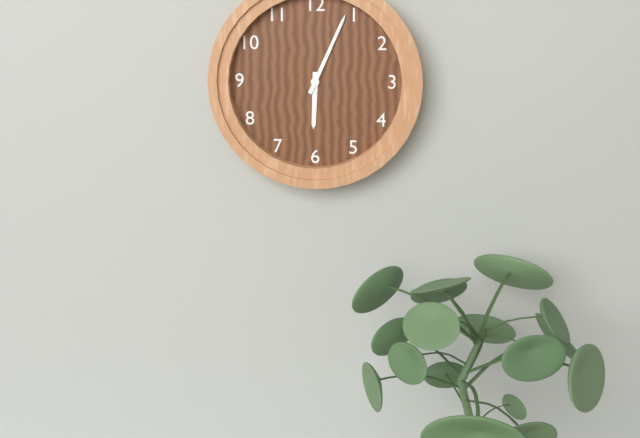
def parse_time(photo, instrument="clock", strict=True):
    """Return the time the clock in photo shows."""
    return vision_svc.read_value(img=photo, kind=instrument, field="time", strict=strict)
6:04
